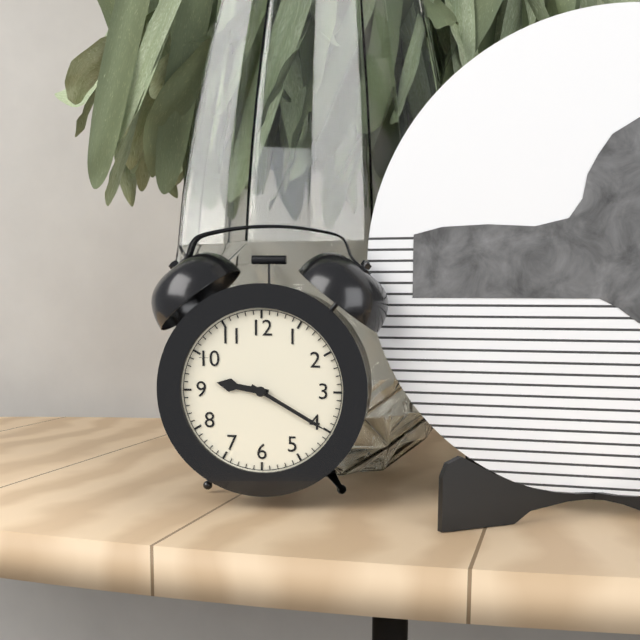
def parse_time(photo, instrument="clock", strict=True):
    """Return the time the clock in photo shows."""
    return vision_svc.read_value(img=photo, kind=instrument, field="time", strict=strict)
9:20
